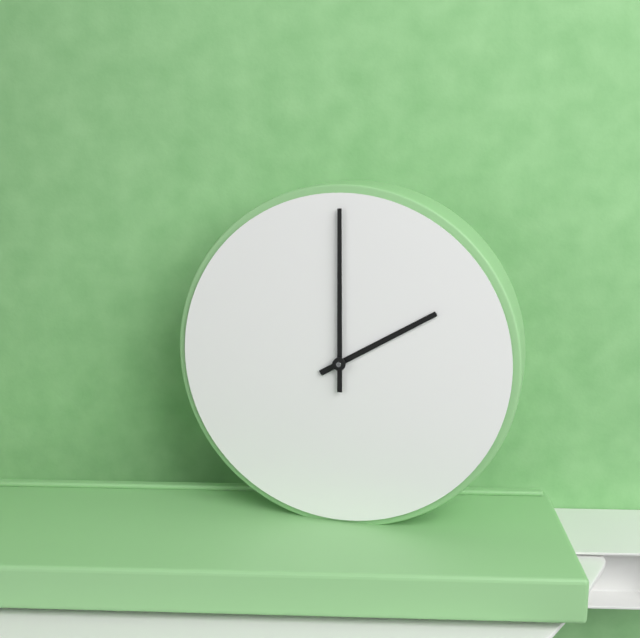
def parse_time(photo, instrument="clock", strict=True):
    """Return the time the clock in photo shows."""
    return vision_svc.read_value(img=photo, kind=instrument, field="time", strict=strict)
2:00
